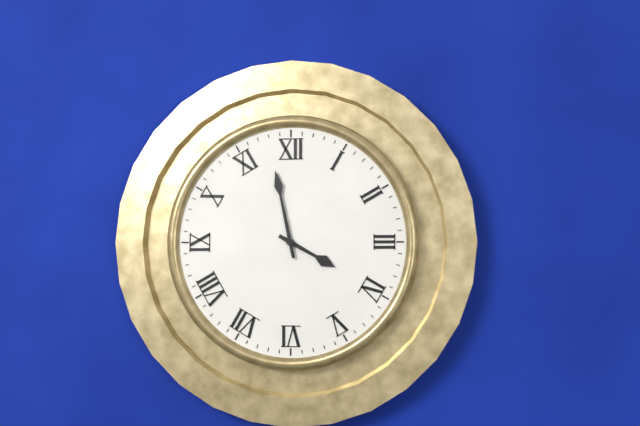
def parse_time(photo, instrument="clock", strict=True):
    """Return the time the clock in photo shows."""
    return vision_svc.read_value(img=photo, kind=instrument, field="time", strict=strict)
3:58
